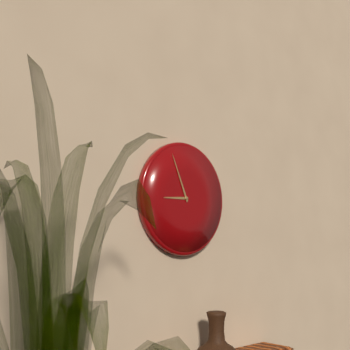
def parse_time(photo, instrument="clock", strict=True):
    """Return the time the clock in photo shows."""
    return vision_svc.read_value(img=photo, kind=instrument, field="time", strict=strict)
8:56
